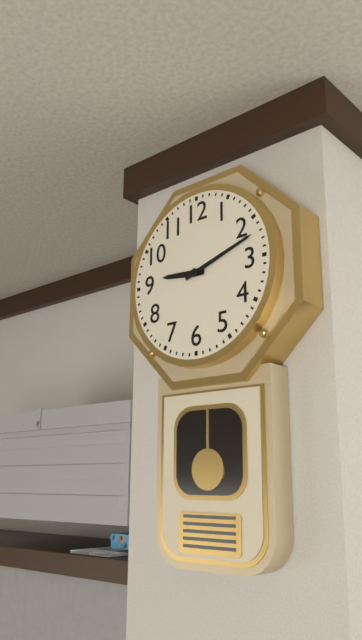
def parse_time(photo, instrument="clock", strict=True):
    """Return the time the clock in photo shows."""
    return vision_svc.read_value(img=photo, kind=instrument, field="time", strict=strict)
9:12
